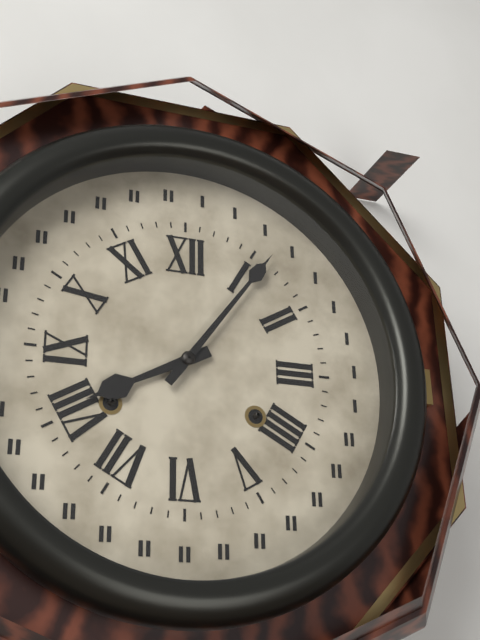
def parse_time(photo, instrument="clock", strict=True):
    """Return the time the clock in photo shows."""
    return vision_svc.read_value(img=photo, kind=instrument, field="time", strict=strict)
8:06
